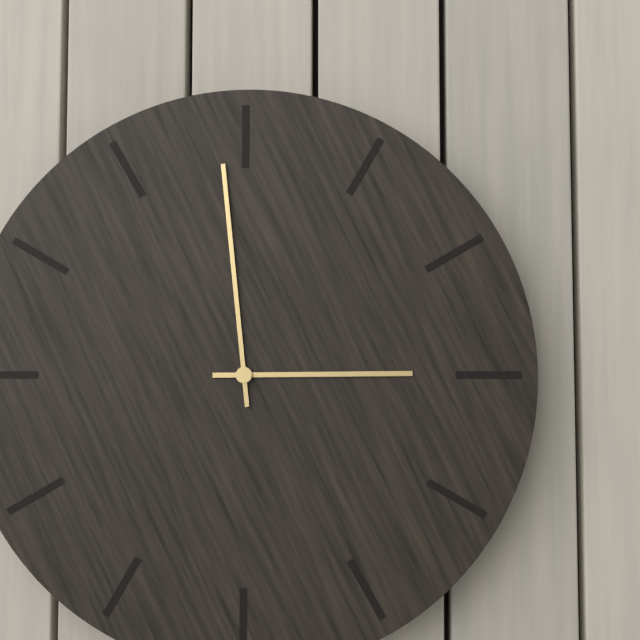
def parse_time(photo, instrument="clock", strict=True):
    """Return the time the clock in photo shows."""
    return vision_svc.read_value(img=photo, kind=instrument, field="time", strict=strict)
2:59
